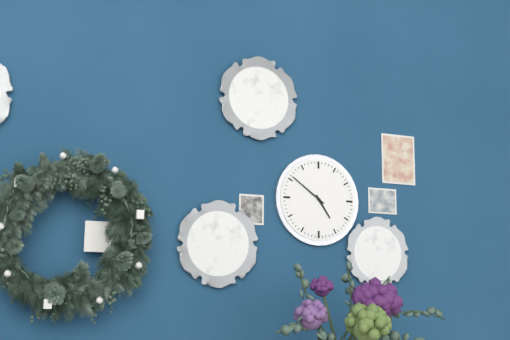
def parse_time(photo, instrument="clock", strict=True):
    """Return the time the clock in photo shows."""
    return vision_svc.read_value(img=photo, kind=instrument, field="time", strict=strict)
4:51
